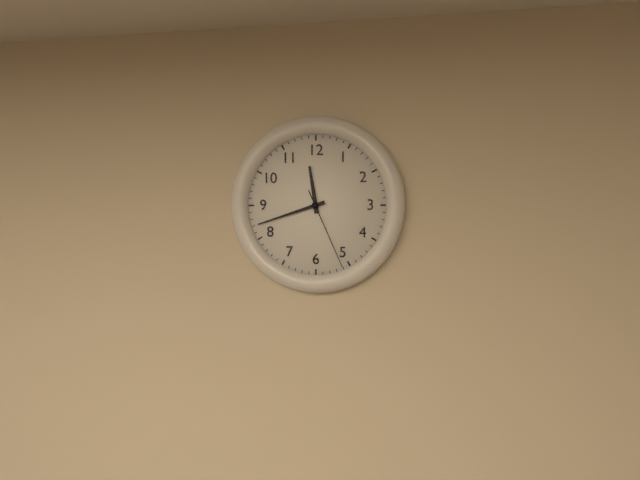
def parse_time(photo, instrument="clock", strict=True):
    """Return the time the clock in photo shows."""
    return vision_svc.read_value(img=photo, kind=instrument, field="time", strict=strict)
11:42:26
